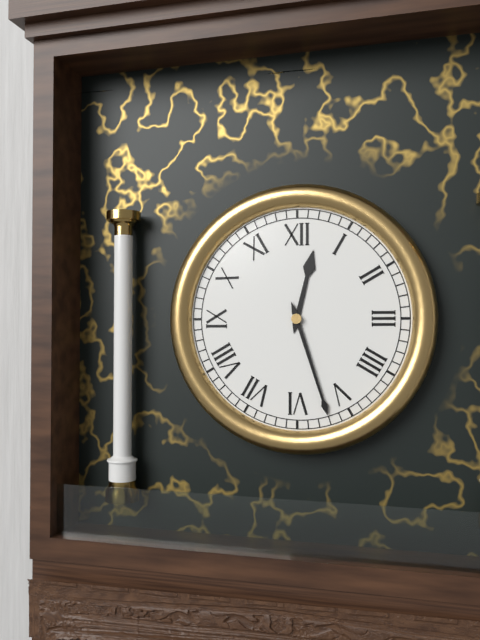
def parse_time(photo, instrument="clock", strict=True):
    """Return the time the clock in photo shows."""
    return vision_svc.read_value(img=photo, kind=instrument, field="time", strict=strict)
12:27
